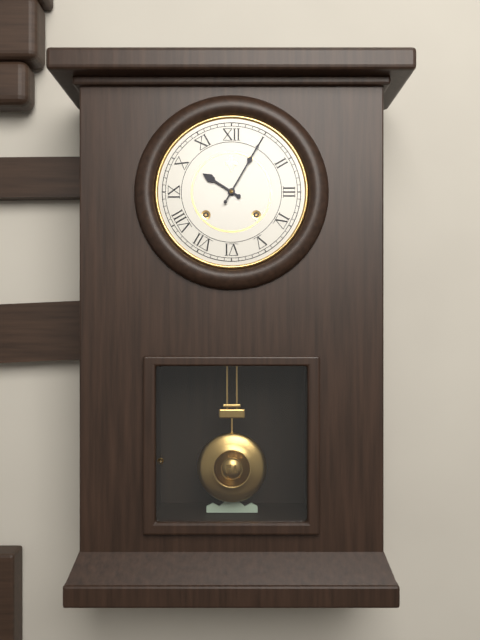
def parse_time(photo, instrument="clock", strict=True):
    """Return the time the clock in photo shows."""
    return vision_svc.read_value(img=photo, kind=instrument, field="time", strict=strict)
10:05
